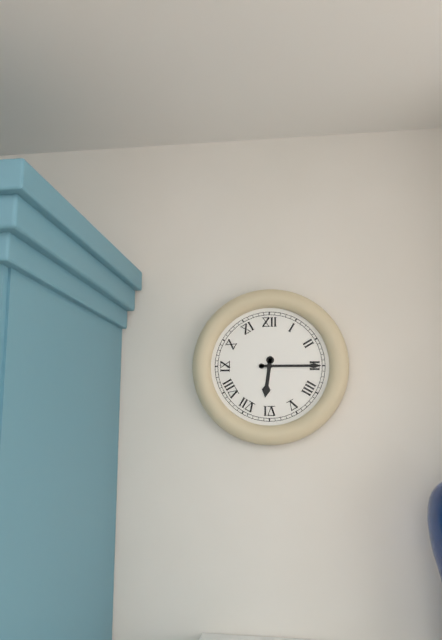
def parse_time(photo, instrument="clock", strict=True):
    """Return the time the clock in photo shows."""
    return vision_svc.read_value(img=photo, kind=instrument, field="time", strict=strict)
6:15
